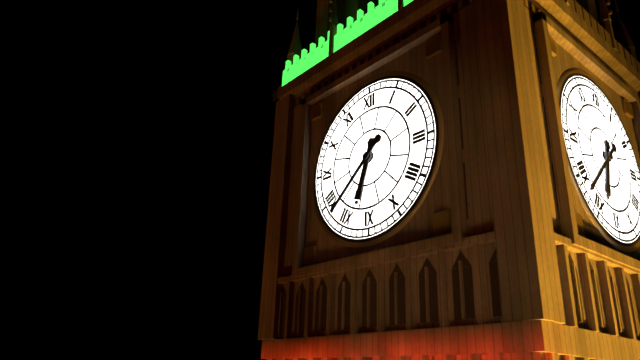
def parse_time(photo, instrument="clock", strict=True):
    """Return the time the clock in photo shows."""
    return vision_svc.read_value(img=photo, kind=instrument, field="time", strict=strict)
6:38
